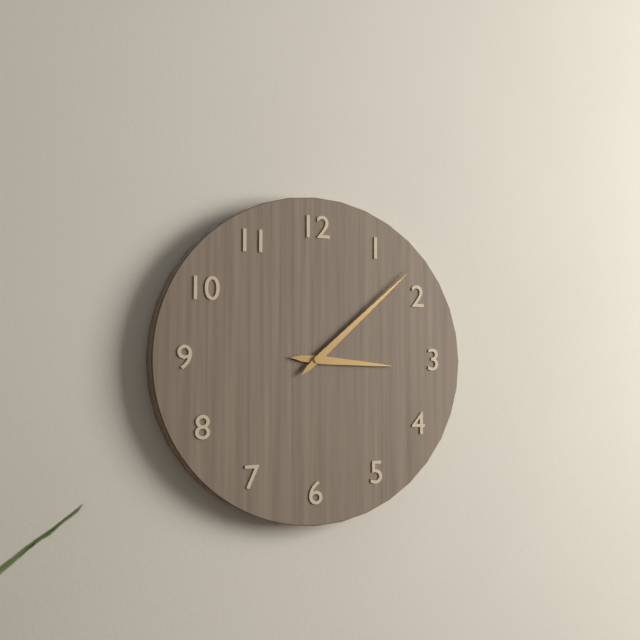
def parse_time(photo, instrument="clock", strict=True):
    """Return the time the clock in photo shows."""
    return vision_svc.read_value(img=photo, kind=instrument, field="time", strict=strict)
3:08
